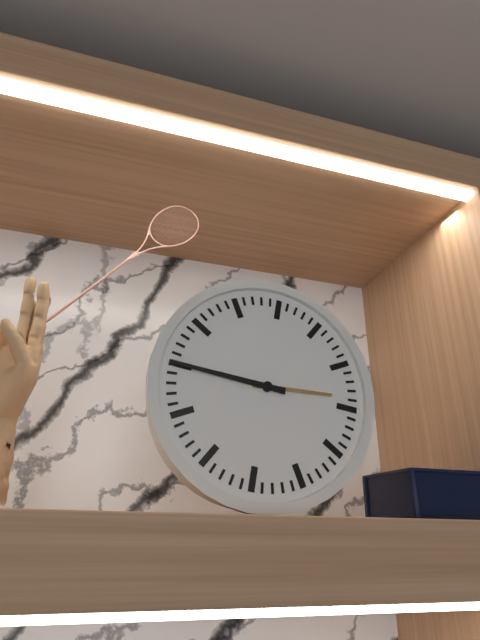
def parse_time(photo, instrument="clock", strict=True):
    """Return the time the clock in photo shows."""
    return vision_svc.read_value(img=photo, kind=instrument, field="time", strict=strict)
2:45
